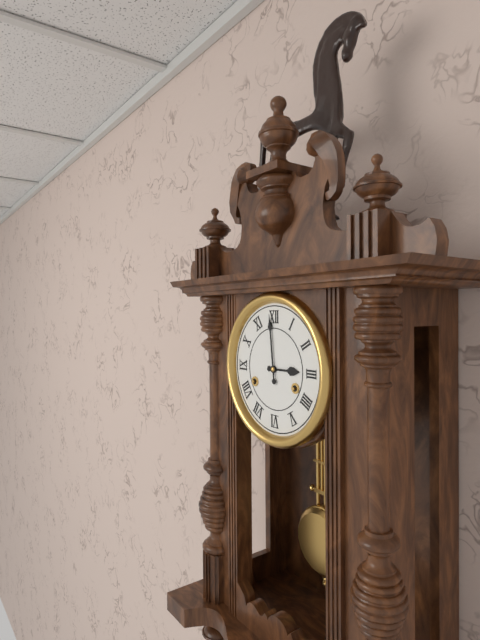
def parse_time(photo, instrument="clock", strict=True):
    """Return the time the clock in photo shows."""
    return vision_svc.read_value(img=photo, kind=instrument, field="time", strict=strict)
2:59
